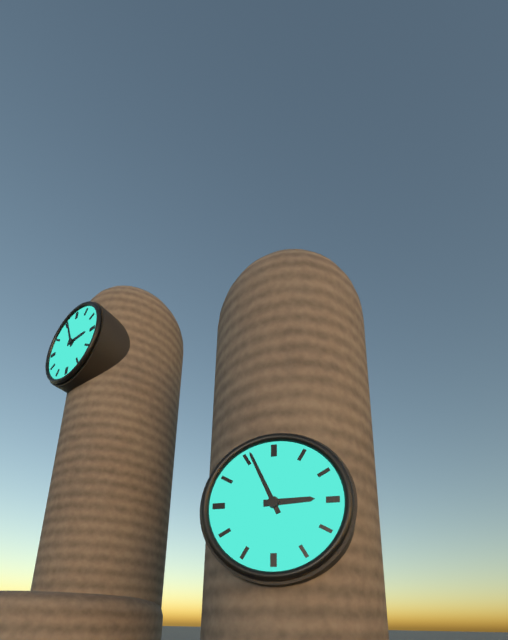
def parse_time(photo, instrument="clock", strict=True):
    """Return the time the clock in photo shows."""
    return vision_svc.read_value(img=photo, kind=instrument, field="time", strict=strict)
2:56
